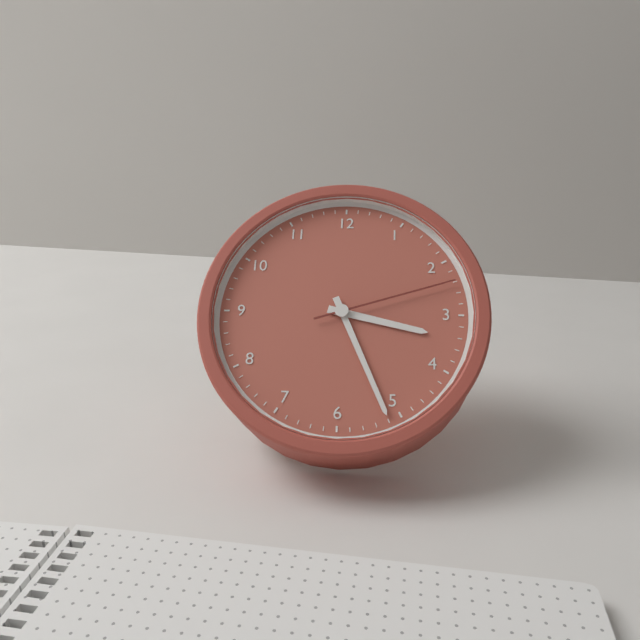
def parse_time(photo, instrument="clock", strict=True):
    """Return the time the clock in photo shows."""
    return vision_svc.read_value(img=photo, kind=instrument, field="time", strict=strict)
3:26:12
